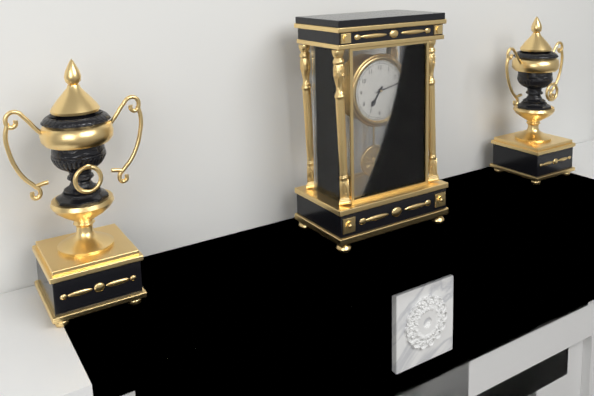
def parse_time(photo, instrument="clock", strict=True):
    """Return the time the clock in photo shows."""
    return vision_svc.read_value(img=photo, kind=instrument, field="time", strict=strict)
7:13
